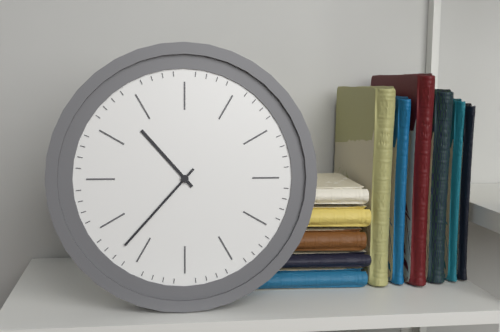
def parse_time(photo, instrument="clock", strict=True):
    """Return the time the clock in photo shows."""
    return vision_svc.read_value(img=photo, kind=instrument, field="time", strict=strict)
10:37
